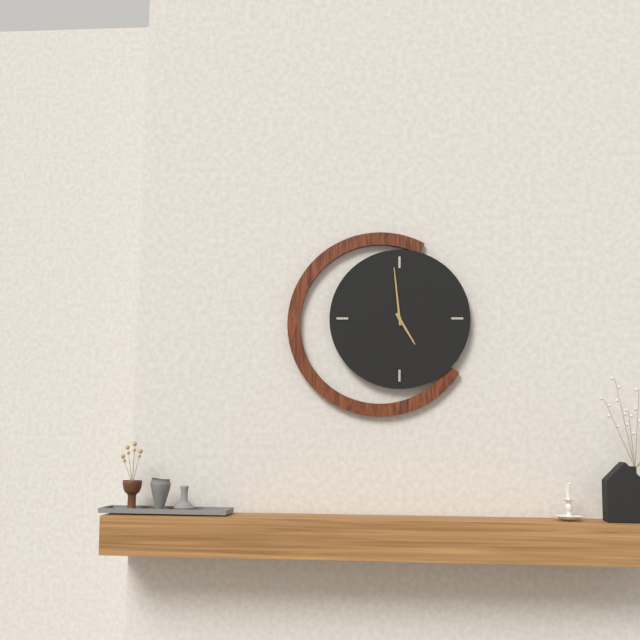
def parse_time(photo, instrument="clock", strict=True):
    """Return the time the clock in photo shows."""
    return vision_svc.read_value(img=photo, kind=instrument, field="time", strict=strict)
4:59
